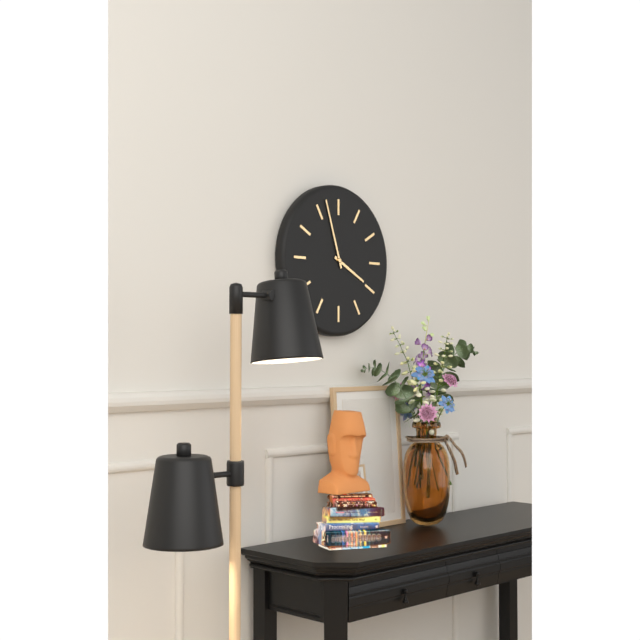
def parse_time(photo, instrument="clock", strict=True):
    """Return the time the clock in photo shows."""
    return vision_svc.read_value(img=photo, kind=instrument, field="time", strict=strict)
3:57
